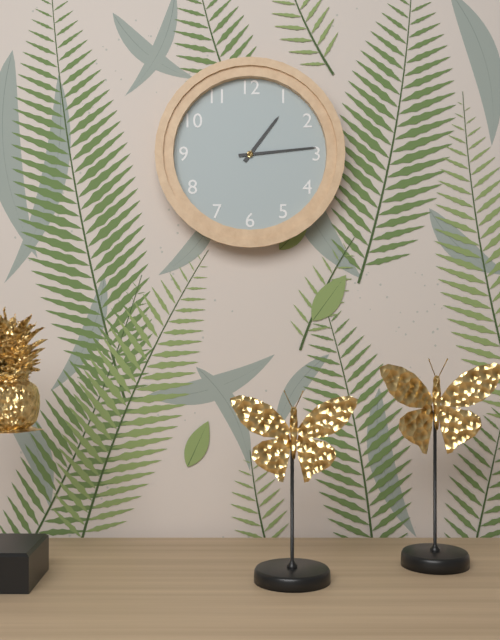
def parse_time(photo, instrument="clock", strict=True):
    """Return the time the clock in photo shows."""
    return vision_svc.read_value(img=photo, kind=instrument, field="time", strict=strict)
1:14
